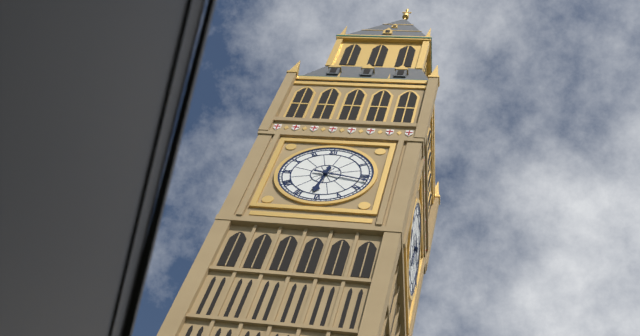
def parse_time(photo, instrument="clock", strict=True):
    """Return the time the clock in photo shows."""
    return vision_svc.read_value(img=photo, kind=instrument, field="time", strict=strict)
6:17
